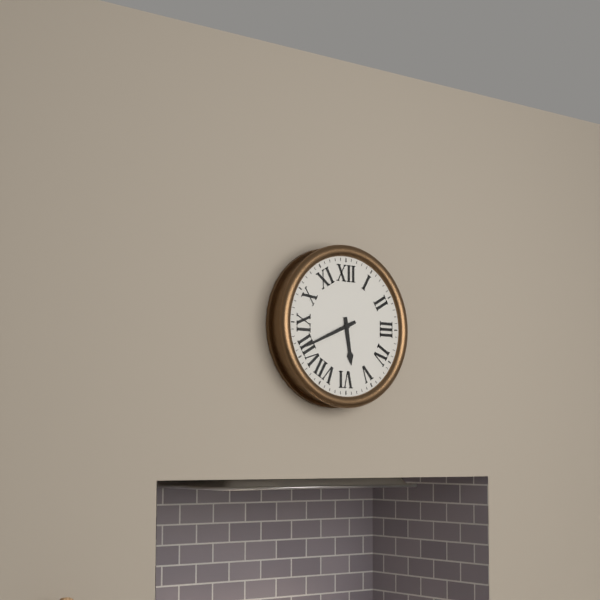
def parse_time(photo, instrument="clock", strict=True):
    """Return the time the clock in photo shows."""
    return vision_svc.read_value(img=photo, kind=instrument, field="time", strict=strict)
5:41
